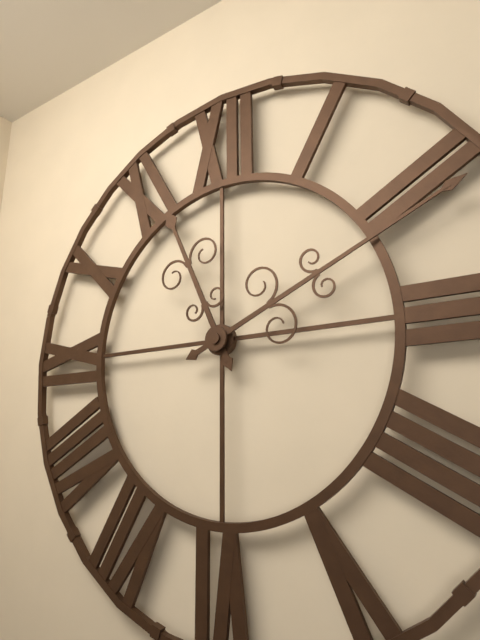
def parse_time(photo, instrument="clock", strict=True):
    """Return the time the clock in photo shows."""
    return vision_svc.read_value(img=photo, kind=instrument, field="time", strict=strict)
11:11
